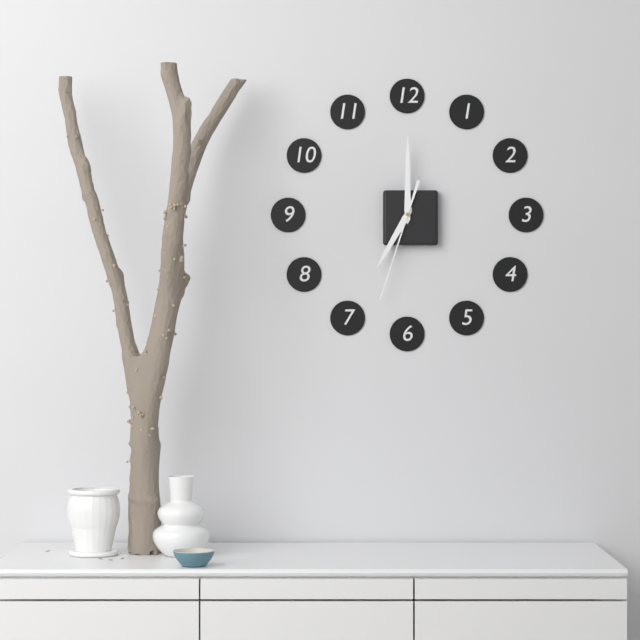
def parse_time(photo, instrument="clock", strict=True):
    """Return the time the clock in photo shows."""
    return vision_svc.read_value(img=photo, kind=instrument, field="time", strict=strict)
7:00:33
